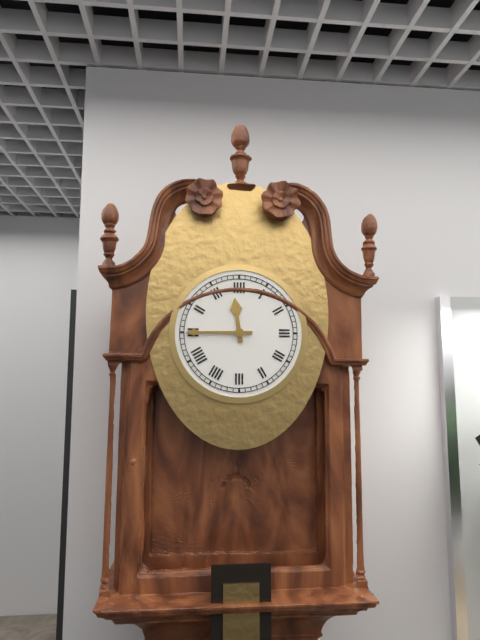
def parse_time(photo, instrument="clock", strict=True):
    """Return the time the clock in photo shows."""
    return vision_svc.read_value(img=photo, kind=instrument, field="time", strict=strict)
11:45
